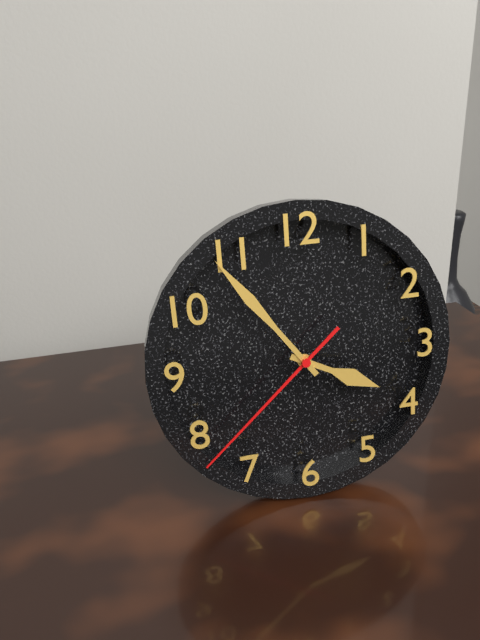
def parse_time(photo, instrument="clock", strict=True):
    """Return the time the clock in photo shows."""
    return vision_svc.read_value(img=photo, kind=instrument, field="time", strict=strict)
3:54:38
